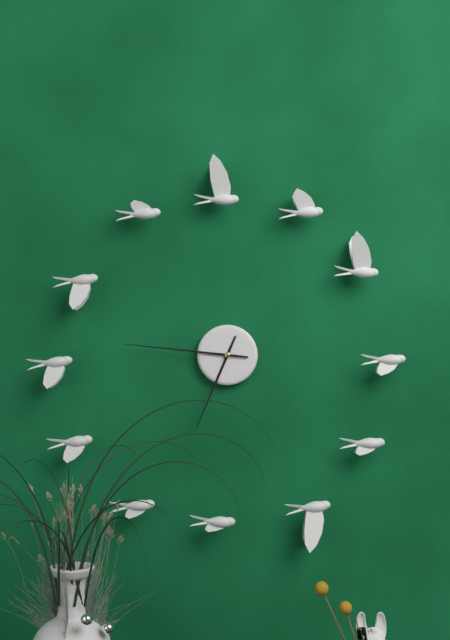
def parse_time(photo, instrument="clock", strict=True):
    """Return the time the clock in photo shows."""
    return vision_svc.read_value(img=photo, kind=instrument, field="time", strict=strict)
6:46
